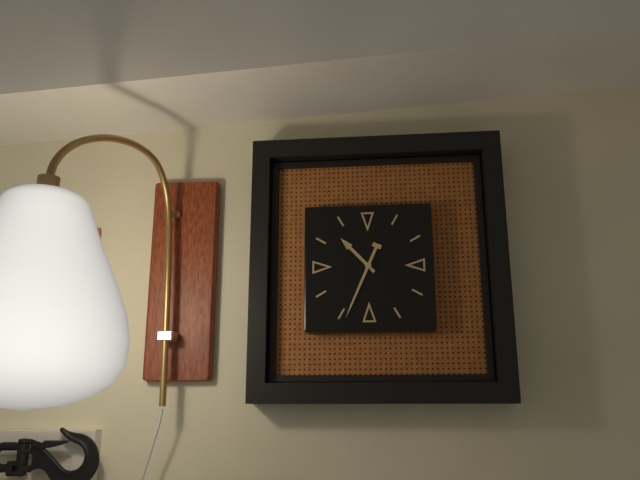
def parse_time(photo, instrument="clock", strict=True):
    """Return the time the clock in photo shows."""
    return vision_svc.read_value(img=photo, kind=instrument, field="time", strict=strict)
10:34
